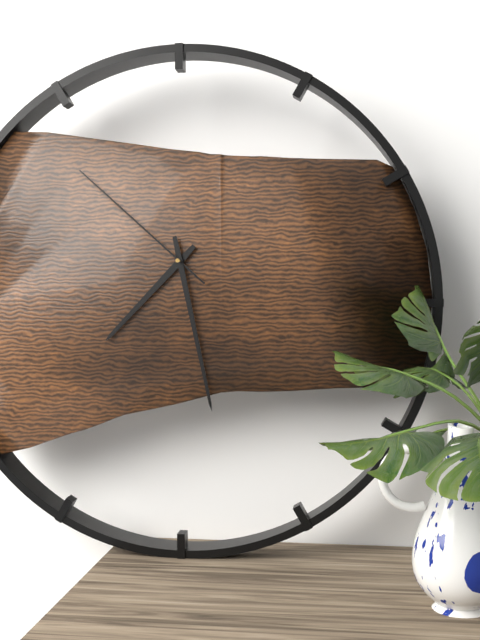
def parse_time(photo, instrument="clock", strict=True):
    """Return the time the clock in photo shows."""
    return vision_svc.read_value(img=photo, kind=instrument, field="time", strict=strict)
7:28:52
